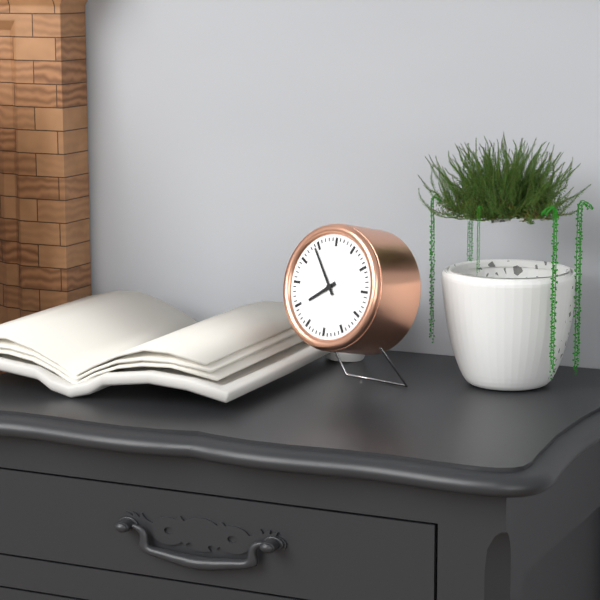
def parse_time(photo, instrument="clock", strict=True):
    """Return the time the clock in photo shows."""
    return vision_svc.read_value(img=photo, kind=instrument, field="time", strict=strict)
7:54
